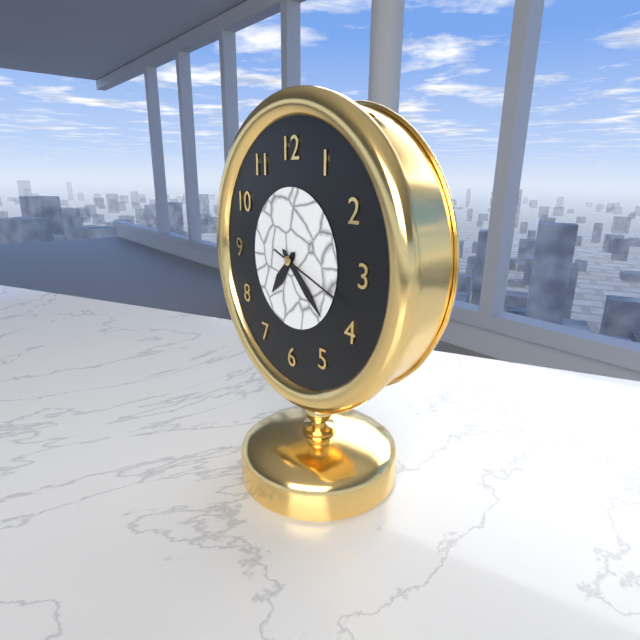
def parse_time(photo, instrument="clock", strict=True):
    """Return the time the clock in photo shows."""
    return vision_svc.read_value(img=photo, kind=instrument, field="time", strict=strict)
7:22:18
